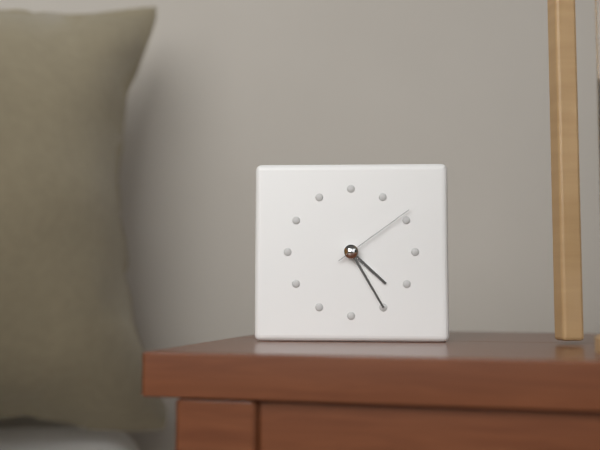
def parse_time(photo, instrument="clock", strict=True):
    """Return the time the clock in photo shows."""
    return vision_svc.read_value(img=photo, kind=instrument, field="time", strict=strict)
4:25:09
